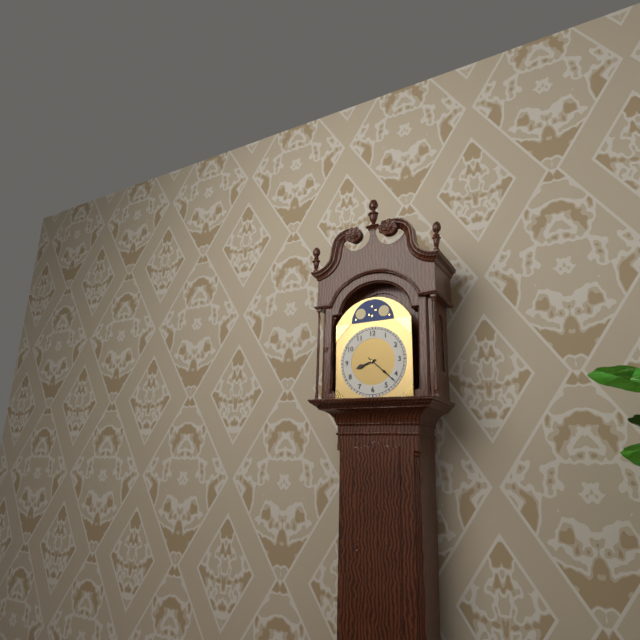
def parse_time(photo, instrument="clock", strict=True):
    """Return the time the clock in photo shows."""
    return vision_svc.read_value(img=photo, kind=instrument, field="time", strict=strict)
8:22
